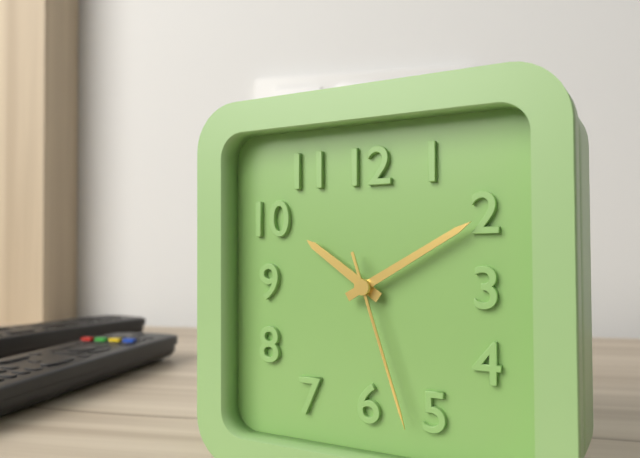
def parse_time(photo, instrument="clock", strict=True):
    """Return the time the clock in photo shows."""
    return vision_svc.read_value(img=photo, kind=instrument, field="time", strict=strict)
10:10:27
